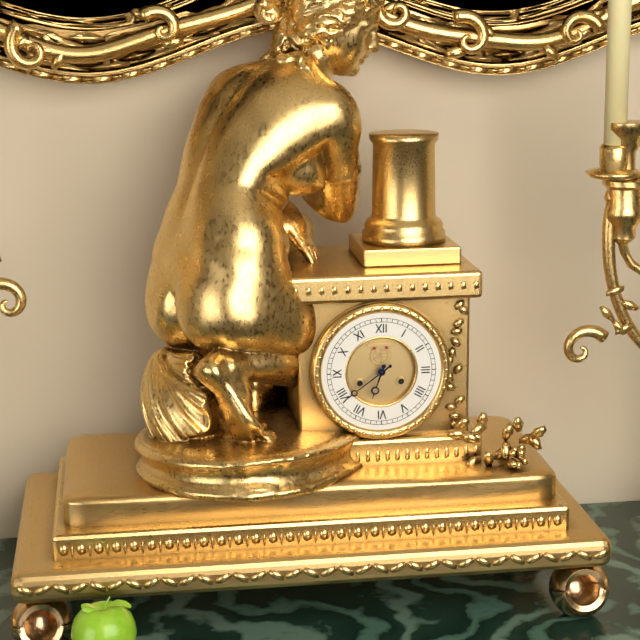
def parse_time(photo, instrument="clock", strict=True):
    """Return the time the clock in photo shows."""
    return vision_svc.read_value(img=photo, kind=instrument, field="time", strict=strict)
6:39
